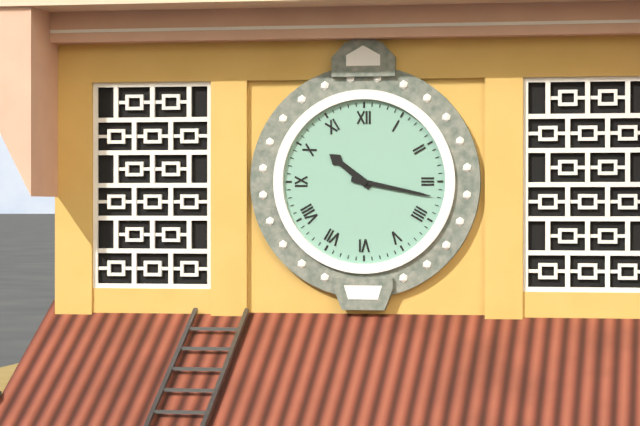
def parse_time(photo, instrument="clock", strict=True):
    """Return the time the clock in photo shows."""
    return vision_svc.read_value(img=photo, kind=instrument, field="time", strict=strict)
10:17
